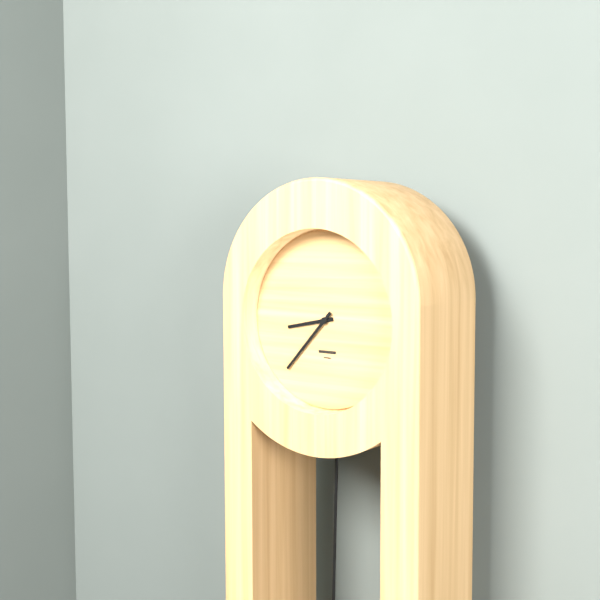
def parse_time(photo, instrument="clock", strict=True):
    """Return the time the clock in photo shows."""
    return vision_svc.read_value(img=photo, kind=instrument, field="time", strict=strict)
8:37
